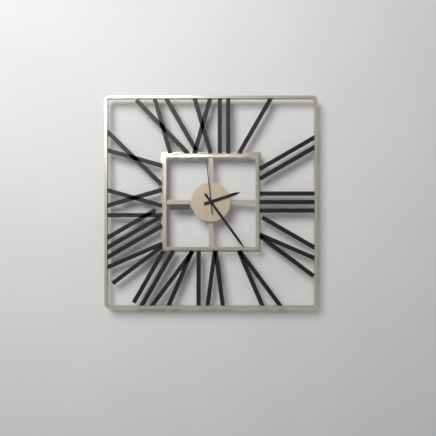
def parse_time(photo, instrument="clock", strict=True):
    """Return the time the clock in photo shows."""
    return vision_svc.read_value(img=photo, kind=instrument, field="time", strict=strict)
2:24:59
